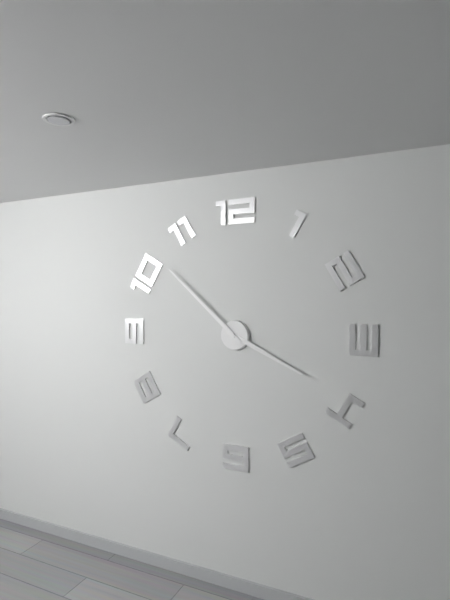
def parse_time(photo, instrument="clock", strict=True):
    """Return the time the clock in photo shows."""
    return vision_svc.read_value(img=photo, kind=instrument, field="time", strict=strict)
3:52
